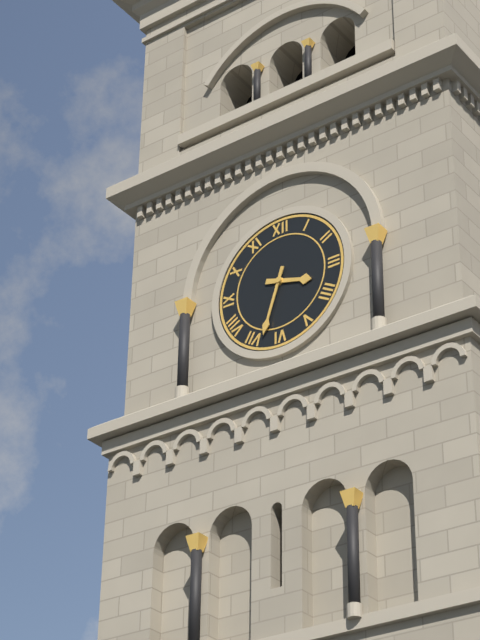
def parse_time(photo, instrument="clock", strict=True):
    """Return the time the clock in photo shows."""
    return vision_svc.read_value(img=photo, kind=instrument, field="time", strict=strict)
3:33
